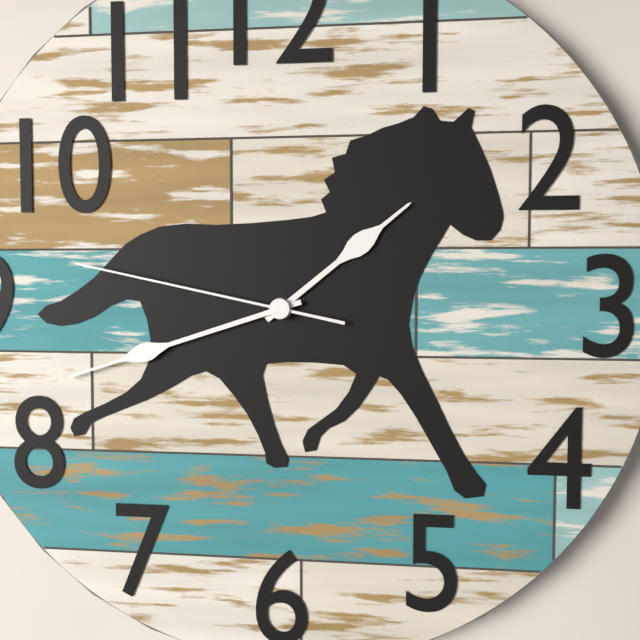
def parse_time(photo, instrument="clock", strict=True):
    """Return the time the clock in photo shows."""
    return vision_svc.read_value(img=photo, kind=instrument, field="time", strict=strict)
1:42:47
